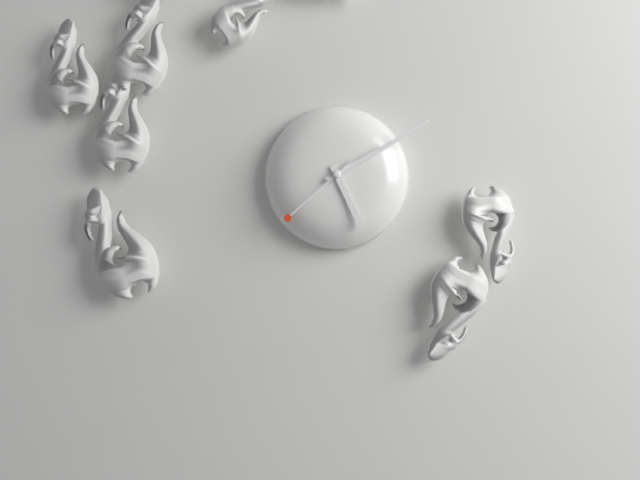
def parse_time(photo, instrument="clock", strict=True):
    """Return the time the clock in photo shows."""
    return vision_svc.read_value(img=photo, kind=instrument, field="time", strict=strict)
5:10:38
